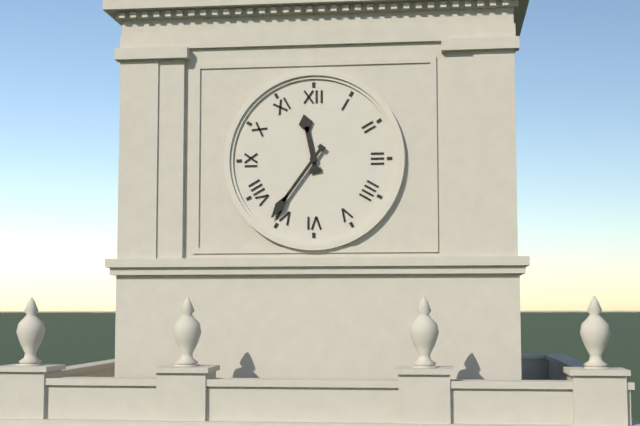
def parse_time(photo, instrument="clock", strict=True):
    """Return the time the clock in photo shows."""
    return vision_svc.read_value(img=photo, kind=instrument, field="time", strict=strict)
11:36
